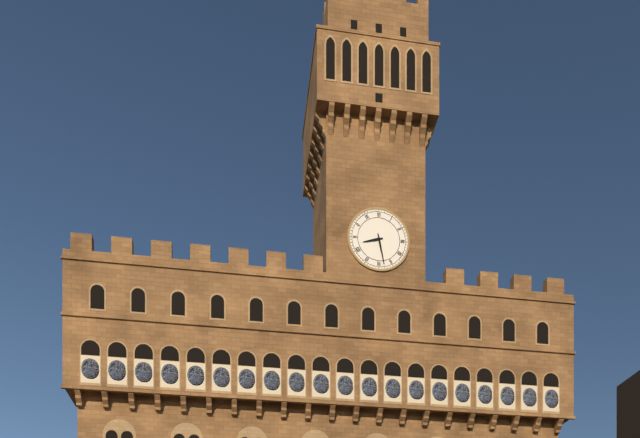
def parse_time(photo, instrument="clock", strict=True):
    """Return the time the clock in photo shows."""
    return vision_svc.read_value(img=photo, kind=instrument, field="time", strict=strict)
8:28
